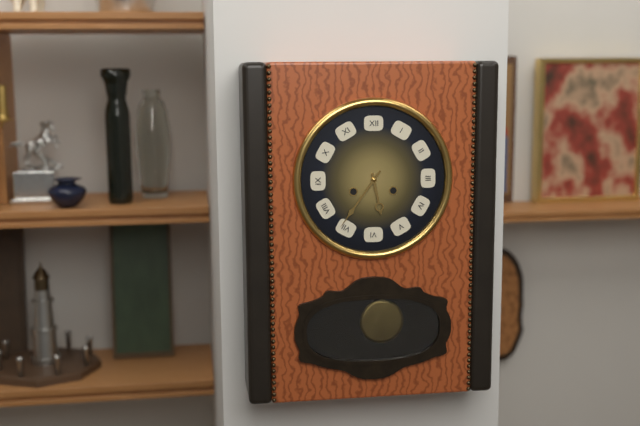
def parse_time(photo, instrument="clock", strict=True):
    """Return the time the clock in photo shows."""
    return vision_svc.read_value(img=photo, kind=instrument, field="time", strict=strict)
5:36
